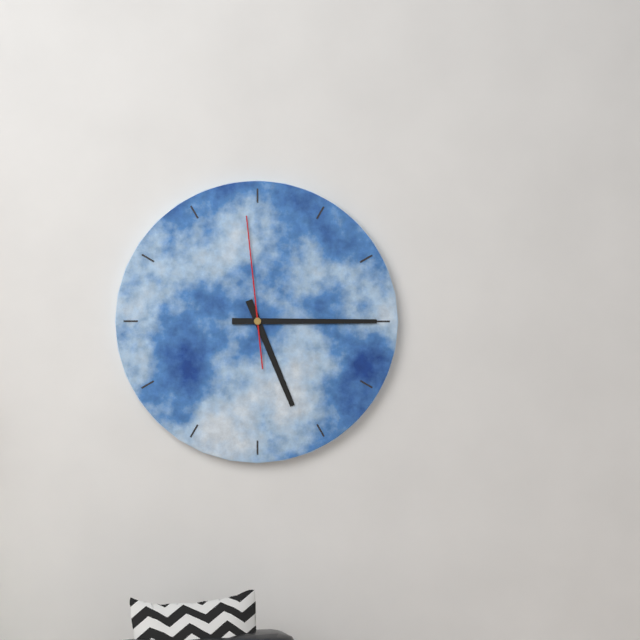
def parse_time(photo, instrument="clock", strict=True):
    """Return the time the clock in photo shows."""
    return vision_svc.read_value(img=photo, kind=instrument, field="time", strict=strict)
5:15:59
